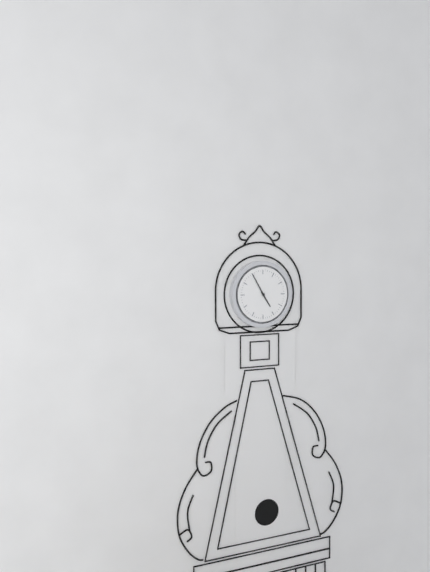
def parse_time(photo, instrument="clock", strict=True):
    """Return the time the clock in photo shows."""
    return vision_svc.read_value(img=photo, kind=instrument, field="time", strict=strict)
4:55
